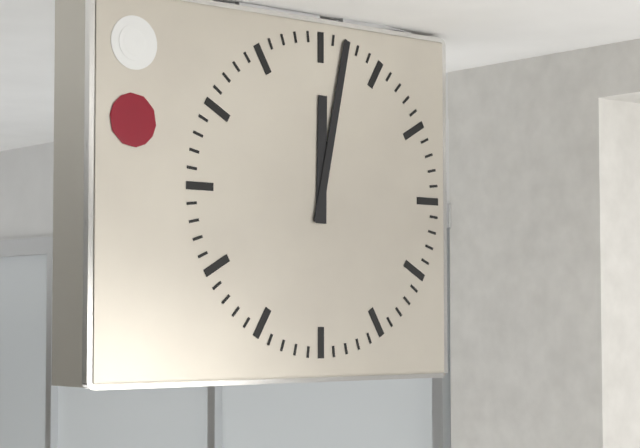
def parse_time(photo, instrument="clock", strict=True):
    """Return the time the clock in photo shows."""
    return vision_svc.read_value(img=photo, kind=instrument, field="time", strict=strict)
12:02
